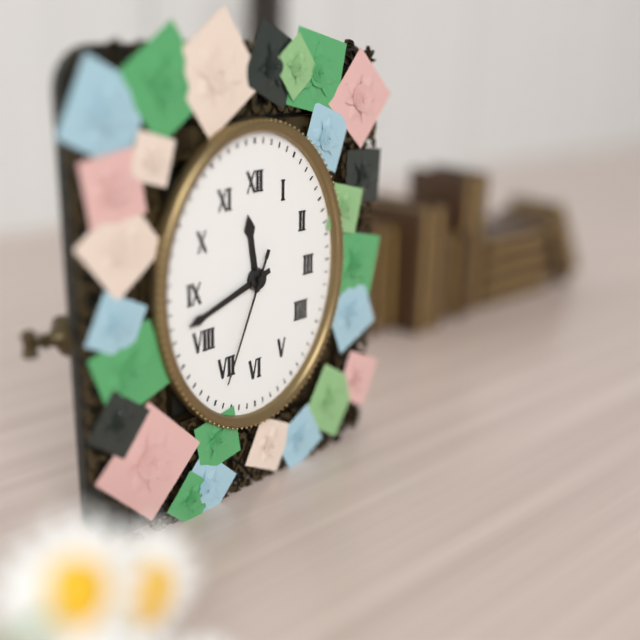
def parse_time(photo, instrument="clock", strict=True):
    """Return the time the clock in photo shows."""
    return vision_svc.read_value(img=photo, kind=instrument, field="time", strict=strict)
11:42:34
